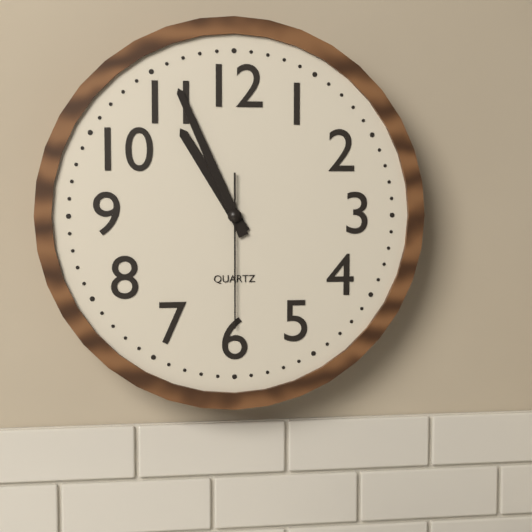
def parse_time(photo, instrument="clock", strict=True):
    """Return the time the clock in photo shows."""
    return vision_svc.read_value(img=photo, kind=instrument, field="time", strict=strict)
10:56:30
